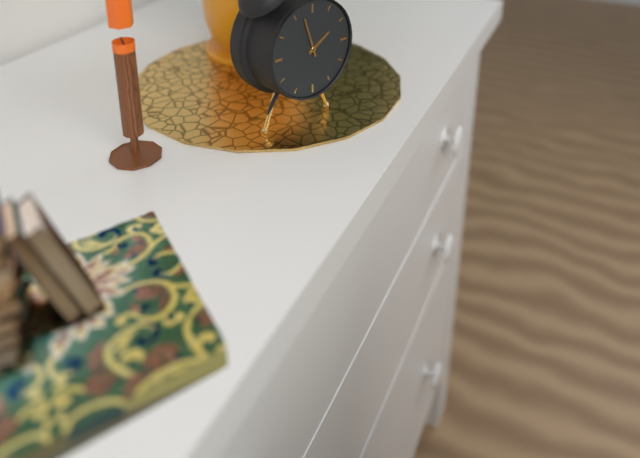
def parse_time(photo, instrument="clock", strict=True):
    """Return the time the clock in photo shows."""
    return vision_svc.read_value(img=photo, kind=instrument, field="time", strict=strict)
1:57
